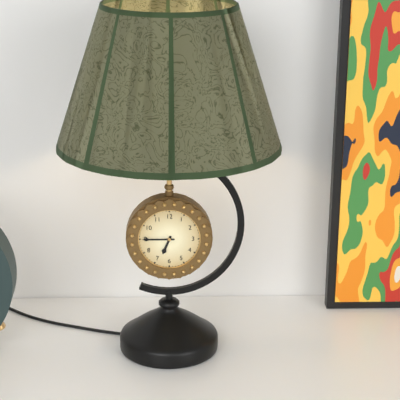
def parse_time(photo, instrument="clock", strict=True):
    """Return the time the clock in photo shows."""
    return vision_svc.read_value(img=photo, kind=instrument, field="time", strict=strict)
6:45
